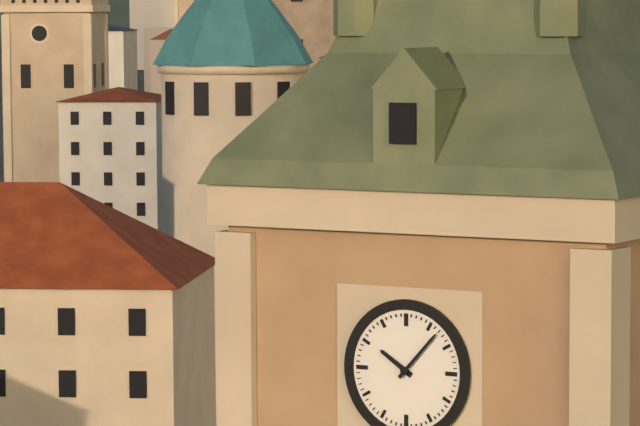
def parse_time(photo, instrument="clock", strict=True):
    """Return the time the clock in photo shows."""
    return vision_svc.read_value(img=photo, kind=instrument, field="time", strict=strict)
10:07
